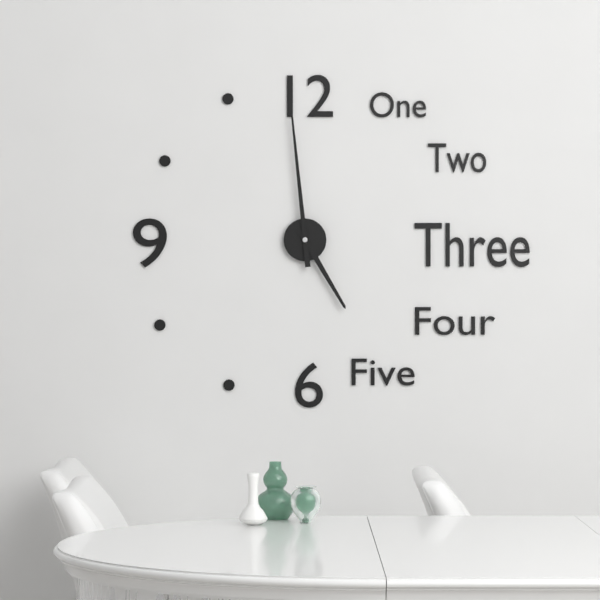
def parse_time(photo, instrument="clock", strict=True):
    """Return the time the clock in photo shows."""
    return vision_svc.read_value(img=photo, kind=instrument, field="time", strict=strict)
4:59
